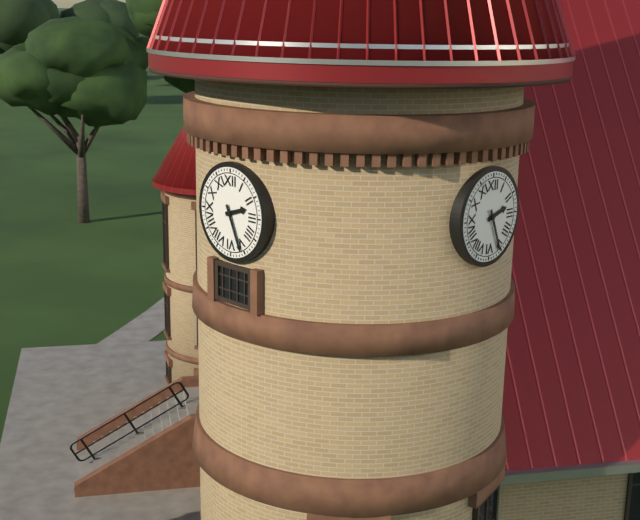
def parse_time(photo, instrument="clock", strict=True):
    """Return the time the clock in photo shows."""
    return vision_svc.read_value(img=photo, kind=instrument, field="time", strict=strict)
2:26
